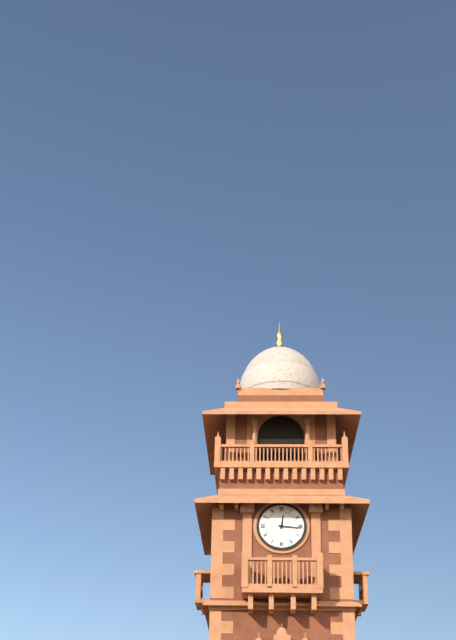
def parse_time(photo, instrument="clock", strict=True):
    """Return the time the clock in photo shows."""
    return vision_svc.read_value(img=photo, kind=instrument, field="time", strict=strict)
12:16
